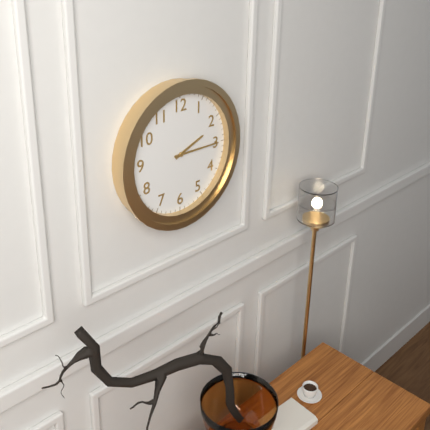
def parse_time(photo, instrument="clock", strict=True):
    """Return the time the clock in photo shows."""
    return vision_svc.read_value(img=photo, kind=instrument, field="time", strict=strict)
2:15
